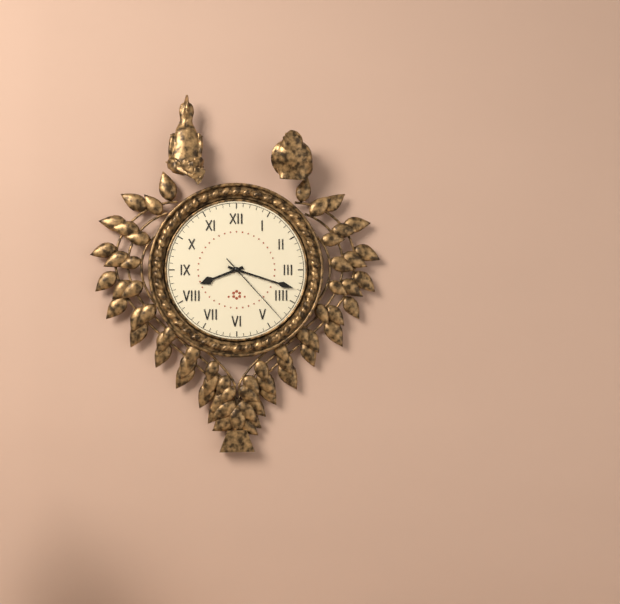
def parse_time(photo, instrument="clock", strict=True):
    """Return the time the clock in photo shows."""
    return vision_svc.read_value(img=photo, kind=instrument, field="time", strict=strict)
8:18:23
